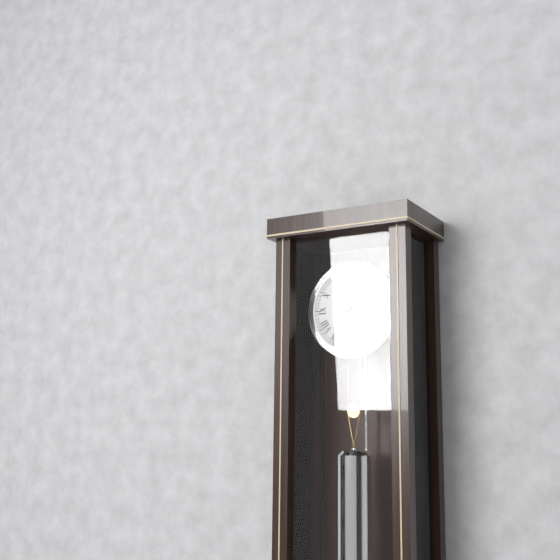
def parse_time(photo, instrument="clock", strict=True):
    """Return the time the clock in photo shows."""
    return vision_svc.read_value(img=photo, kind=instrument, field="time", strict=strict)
1:36
